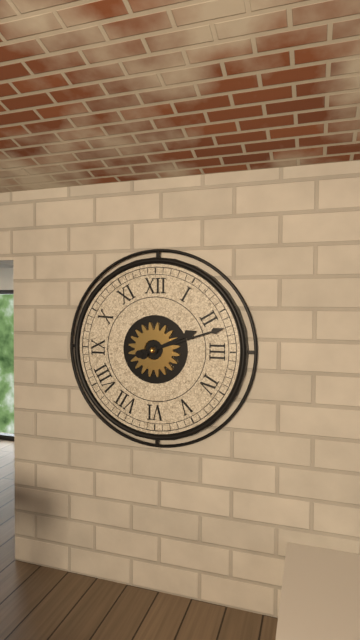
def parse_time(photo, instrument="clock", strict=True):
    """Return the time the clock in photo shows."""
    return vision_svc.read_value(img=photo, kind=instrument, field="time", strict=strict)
2:12
